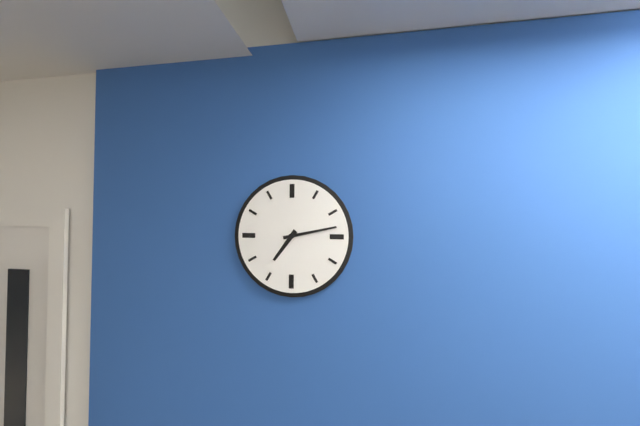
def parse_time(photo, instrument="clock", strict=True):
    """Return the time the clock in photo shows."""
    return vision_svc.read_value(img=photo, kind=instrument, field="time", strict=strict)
7:13
